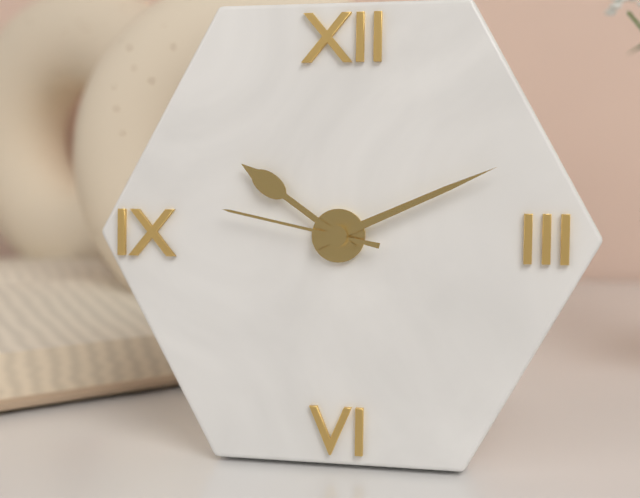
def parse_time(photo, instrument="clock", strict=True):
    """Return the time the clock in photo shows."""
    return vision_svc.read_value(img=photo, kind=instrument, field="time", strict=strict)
10:11:47
